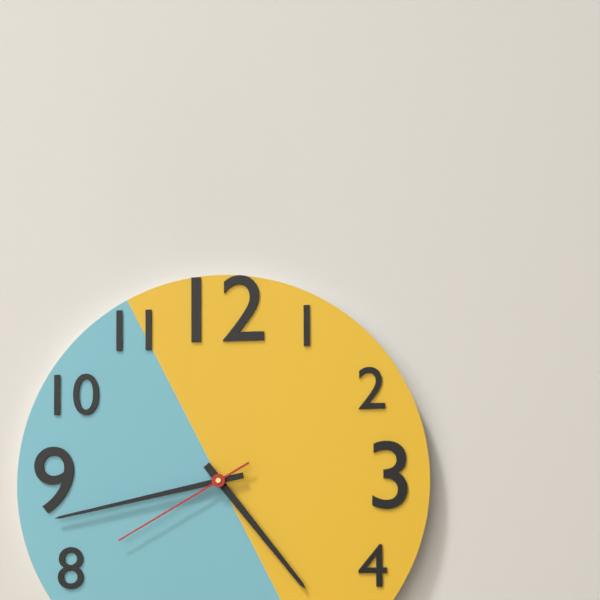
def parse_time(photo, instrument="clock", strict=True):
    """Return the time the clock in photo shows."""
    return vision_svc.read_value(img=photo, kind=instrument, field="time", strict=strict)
4:43:40
